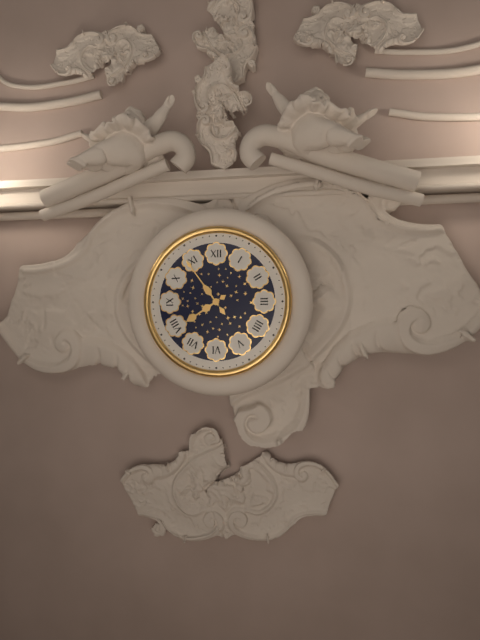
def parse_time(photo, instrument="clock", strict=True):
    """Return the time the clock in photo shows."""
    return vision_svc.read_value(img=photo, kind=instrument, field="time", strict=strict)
7:54
